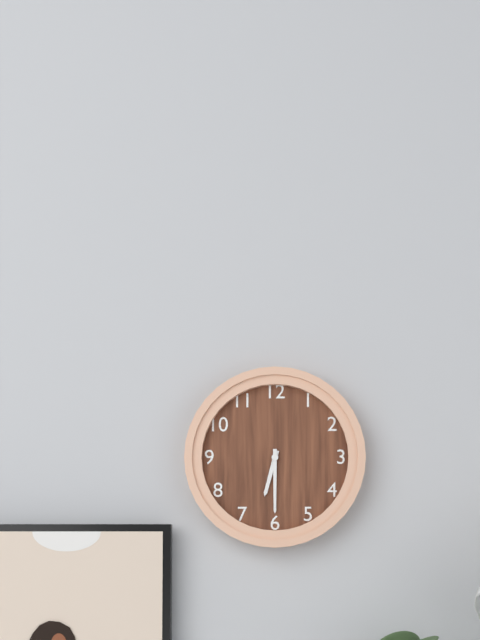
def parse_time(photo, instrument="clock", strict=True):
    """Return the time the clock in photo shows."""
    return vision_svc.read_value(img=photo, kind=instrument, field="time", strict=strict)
6:30
